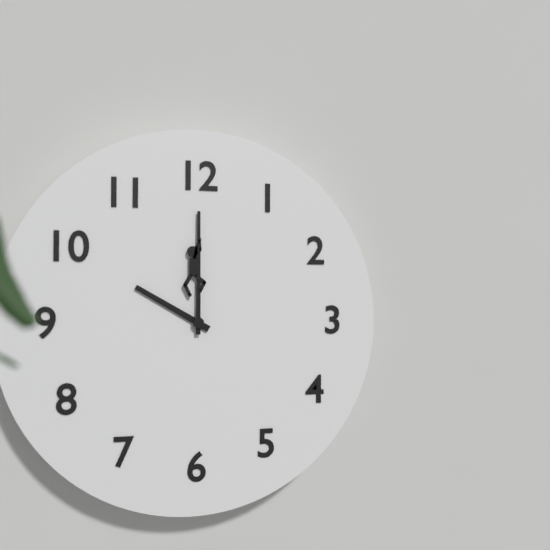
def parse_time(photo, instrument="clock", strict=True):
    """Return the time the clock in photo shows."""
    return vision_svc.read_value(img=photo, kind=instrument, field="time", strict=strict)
10:00
